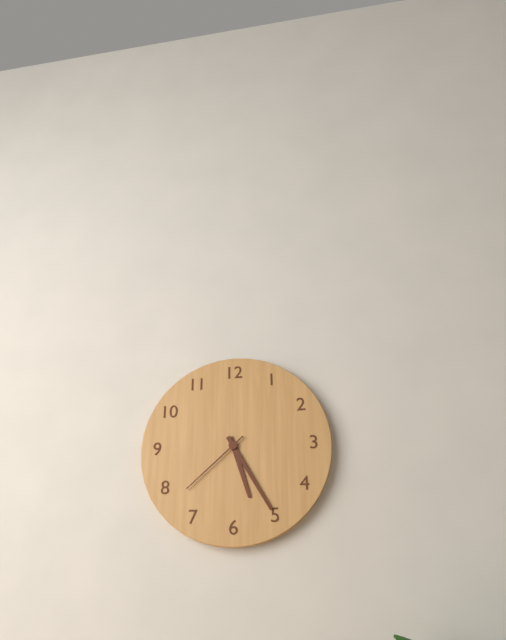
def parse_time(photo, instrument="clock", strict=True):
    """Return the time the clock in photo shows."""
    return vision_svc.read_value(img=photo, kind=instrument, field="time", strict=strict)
5:25:38
